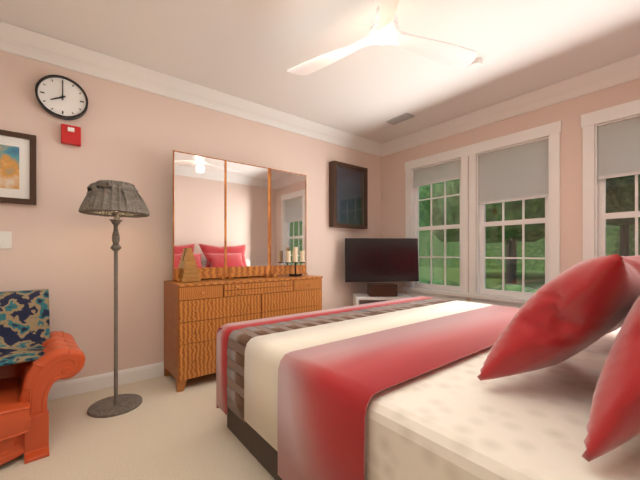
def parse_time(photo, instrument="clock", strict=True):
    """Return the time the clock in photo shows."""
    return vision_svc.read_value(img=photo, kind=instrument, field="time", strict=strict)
8:00
